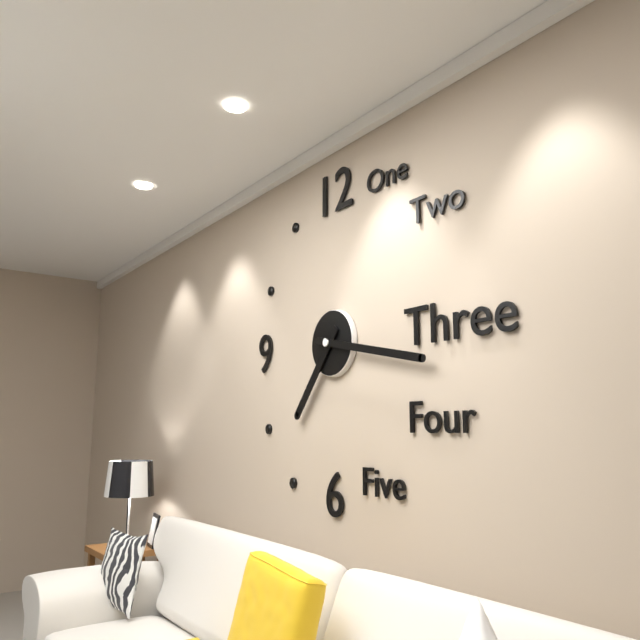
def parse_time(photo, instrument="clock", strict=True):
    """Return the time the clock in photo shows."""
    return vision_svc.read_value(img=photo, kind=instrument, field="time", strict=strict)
7:17
